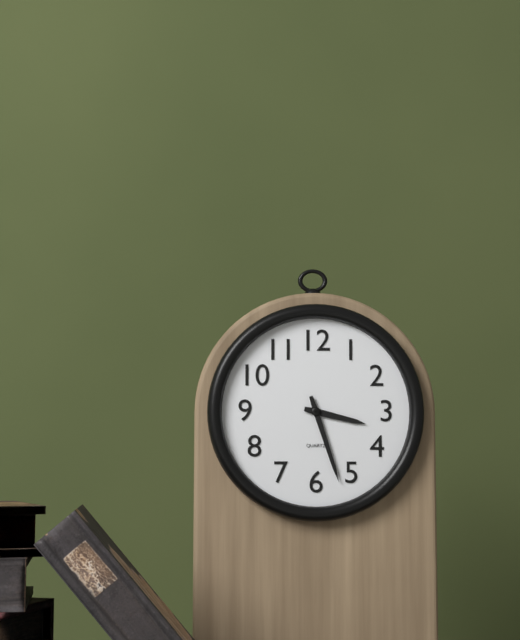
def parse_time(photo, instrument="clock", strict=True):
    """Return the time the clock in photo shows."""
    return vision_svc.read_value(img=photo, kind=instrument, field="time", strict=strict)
3:27
